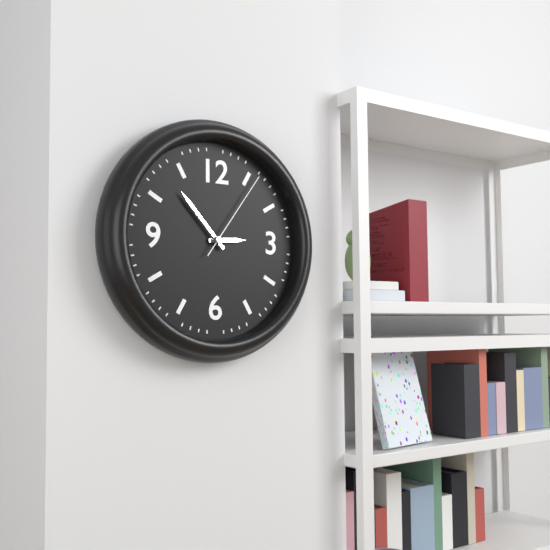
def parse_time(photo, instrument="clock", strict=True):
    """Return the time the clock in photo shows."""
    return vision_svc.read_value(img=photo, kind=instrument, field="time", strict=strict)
2:53:06
